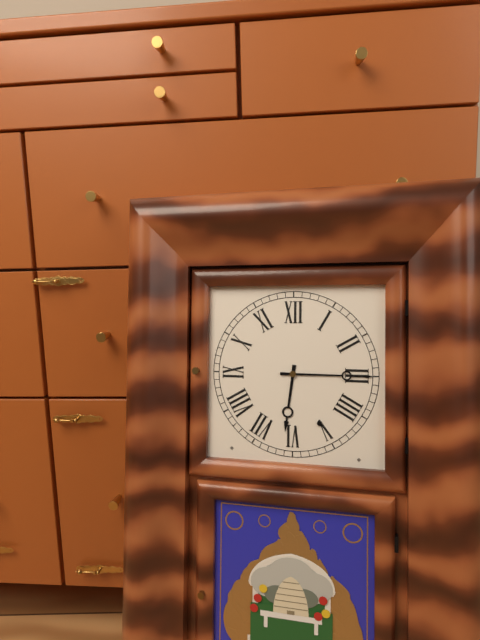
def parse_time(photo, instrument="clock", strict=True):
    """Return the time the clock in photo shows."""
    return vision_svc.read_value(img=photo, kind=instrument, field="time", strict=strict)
6:15
